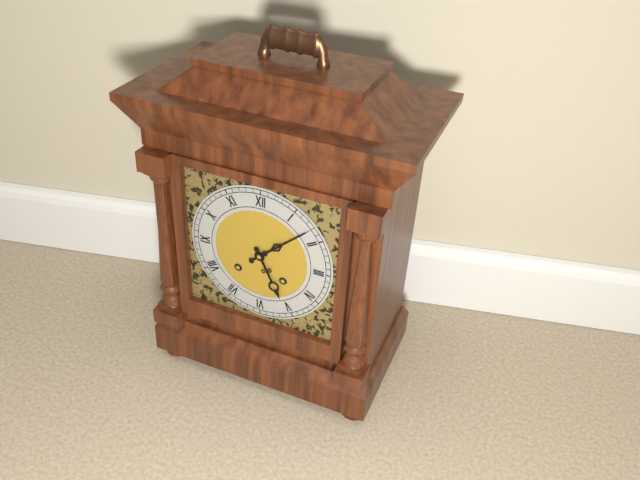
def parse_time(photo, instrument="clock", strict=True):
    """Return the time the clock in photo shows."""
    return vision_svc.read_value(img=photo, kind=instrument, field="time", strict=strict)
5:08
